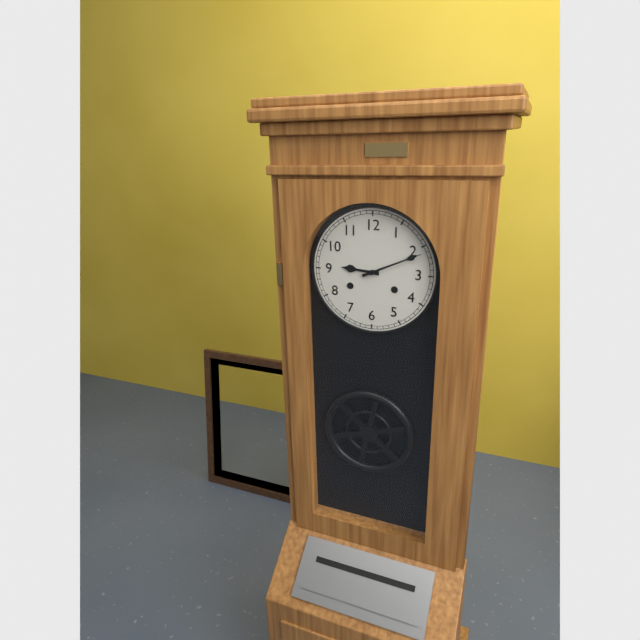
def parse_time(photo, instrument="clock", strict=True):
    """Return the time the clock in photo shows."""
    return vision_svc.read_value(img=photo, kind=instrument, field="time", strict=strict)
9:11
